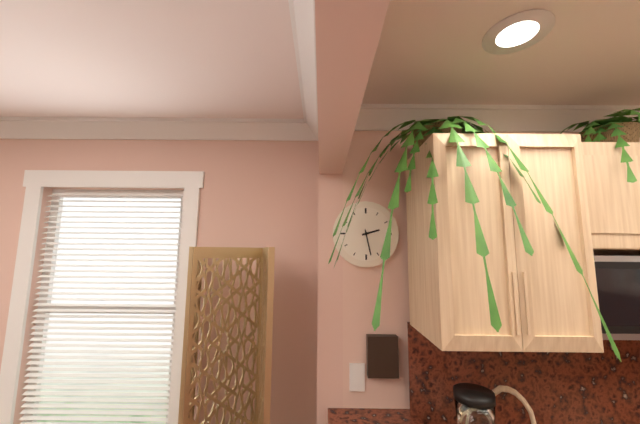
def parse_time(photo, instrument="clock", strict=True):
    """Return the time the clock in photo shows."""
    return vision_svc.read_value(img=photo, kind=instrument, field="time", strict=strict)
2:28
